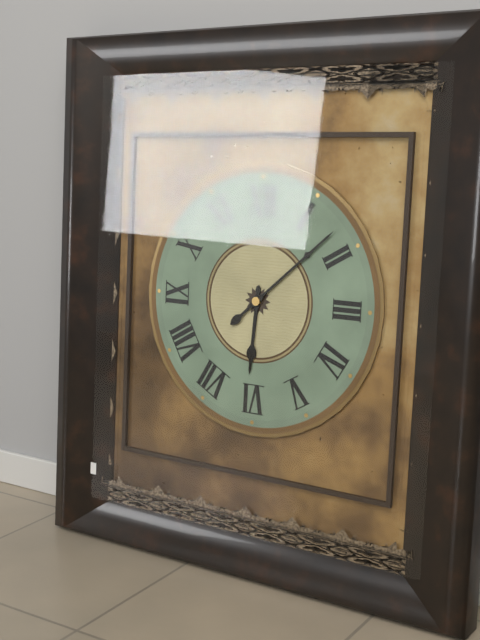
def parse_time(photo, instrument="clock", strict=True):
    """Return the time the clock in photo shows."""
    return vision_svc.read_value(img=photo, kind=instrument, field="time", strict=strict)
6:08
